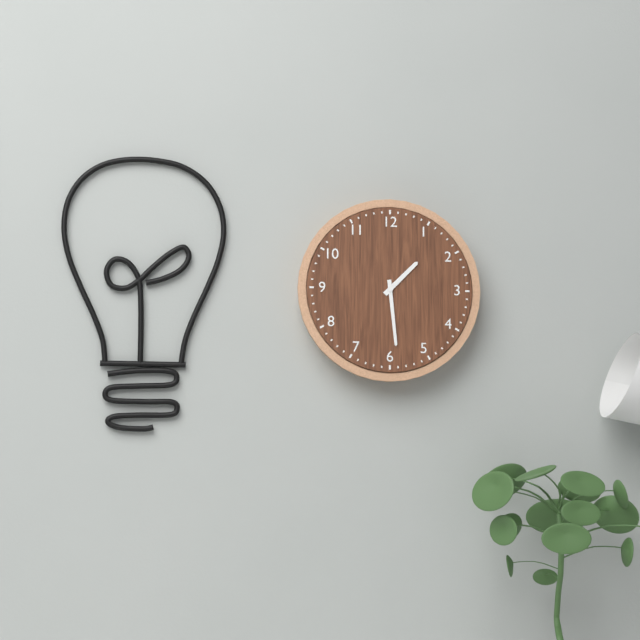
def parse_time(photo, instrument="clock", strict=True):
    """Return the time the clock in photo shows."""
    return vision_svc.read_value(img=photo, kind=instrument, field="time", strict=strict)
1:29
